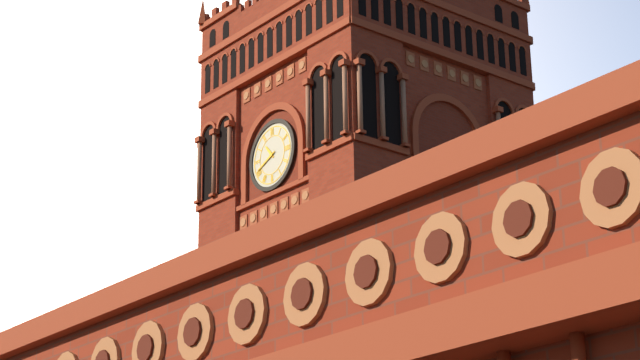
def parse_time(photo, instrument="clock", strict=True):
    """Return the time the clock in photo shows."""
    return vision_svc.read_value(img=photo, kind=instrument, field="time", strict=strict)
10:41
